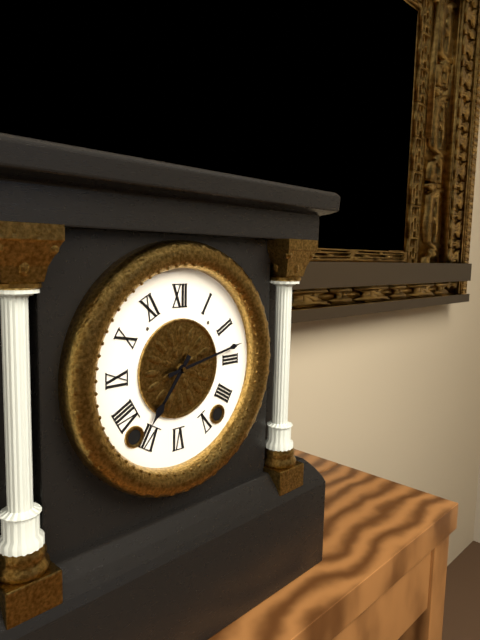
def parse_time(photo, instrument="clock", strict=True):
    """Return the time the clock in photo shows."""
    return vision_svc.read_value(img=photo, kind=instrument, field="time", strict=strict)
7:13
